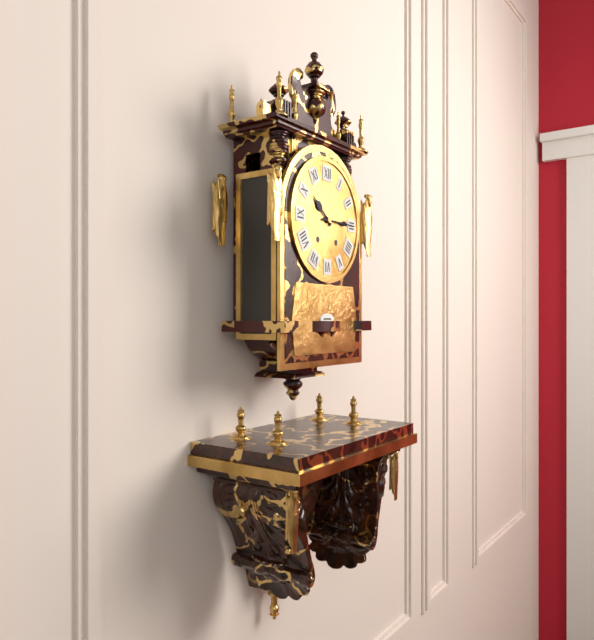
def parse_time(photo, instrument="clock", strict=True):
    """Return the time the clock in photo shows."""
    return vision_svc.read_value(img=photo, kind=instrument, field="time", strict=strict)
10:15
